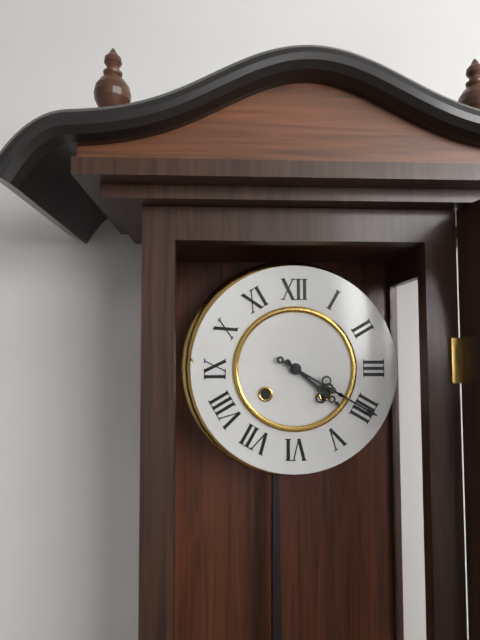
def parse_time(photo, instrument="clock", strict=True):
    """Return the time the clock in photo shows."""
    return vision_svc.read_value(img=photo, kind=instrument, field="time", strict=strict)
4:20
